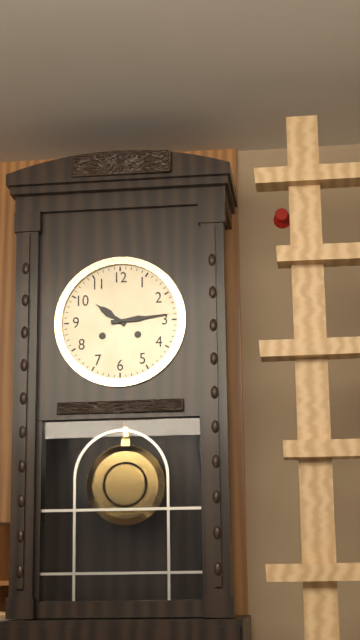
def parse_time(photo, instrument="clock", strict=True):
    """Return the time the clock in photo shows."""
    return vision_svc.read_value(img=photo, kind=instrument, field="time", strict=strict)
10:14
